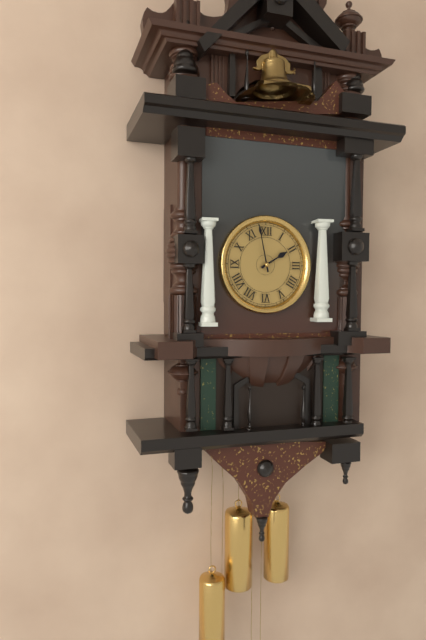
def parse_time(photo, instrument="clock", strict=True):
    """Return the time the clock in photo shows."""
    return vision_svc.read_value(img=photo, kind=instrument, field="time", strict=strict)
1:58
